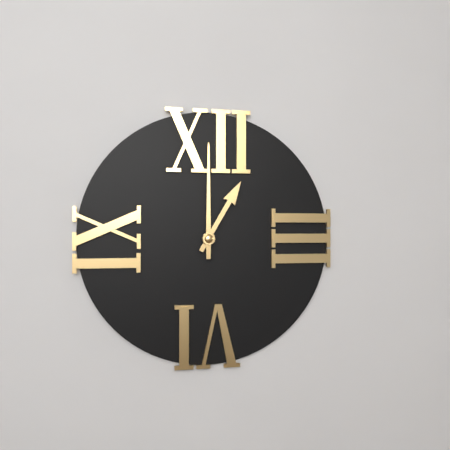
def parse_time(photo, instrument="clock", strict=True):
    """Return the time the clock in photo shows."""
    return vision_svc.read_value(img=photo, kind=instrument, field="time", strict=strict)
1:00
